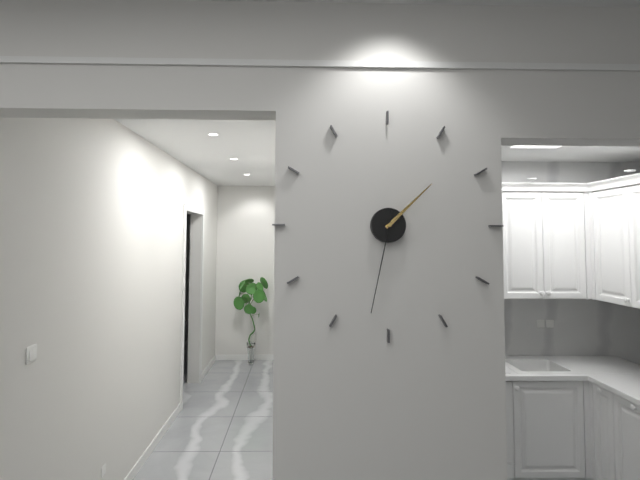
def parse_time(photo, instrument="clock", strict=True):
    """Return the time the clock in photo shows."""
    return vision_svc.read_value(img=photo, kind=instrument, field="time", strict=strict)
1:32
